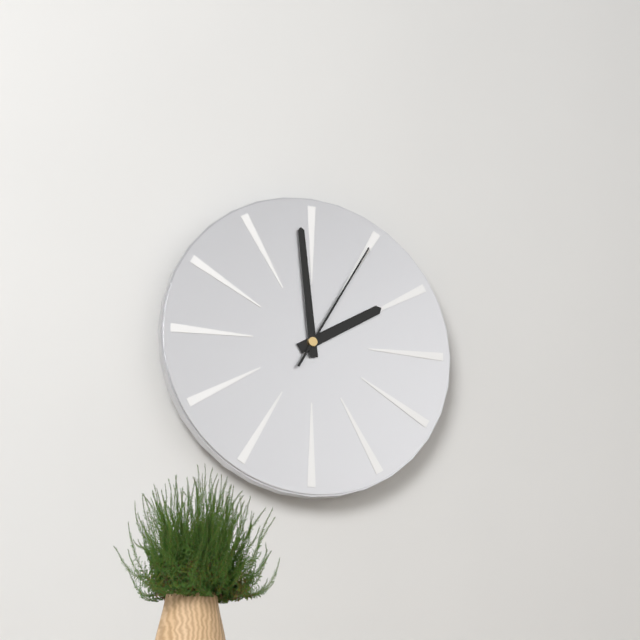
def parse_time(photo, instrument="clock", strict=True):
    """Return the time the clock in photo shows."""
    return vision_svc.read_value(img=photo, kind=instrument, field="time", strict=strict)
1:59:05
